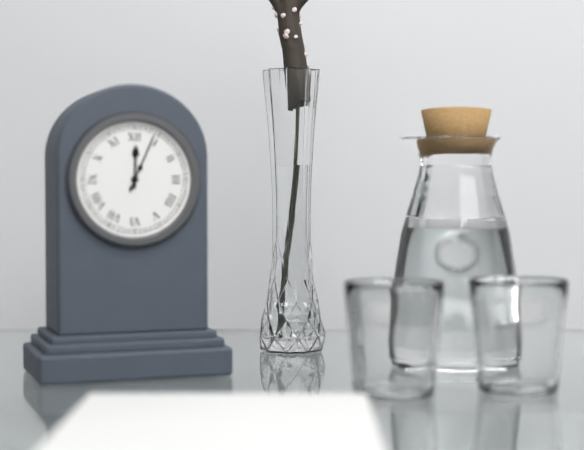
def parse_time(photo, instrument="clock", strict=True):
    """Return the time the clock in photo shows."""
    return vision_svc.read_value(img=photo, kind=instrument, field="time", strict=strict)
12:04
